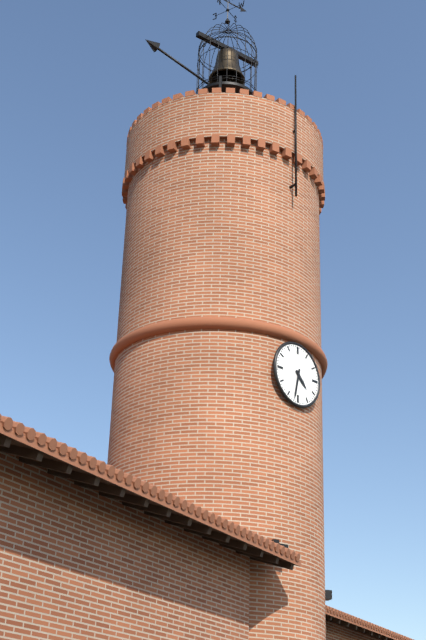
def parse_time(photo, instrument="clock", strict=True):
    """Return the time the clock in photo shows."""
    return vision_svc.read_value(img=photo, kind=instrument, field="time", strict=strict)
4:32
